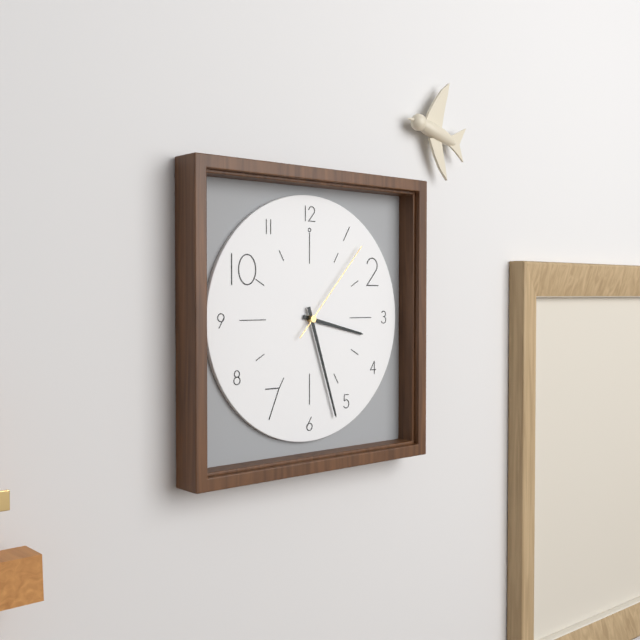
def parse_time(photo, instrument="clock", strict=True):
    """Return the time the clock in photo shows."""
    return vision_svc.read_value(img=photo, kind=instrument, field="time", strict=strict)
3:27:07
